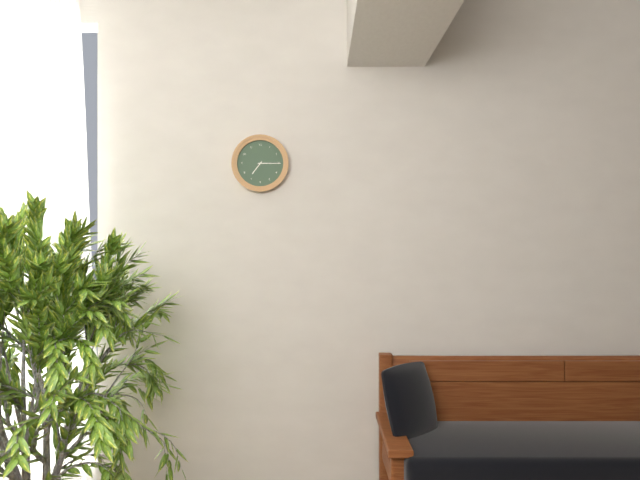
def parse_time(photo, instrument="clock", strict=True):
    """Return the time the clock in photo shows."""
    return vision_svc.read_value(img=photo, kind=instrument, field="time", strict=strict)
7:15
